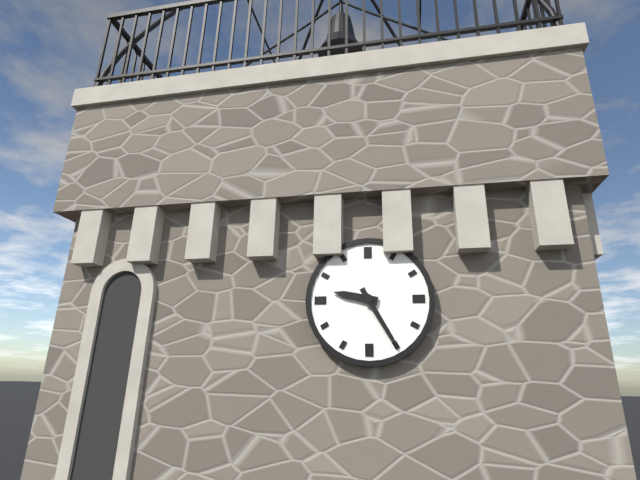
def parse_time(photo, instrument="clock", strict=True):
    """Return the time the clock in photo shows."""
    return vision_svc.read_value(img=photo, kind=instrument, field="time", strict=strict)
9:25
